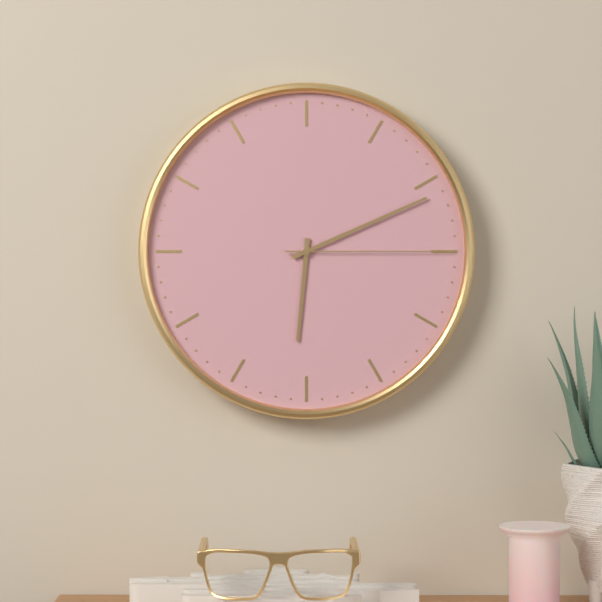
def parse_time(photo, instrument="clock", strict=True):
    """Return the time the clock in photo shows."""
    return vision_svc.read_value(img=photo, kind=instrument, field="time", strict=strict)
6:11:15
